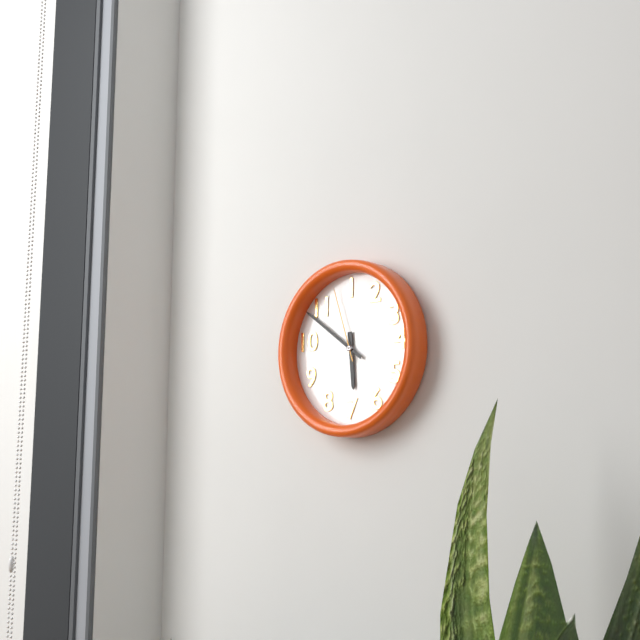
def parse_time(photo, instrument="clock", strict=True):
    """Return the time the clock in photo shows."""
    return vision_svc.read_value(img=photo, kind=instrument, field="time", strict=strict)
5:51:57
